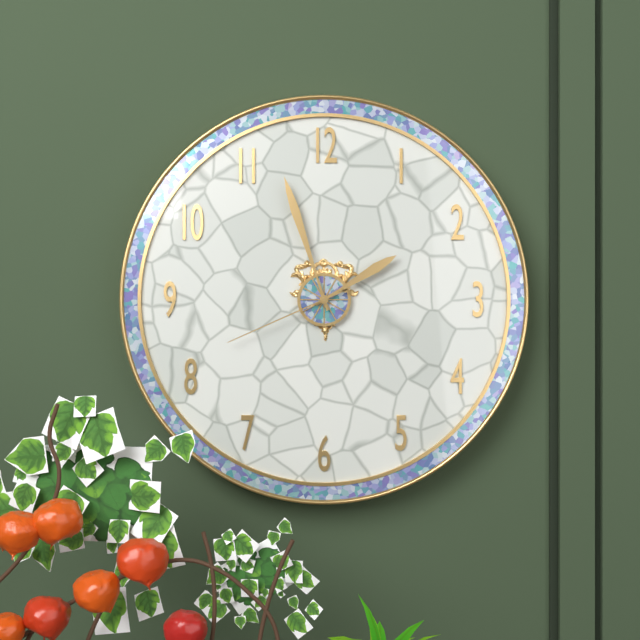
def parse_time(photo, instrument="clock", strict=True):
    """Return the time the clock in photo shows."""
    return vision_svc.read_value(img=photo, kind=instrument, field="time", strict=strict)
1:57:41
